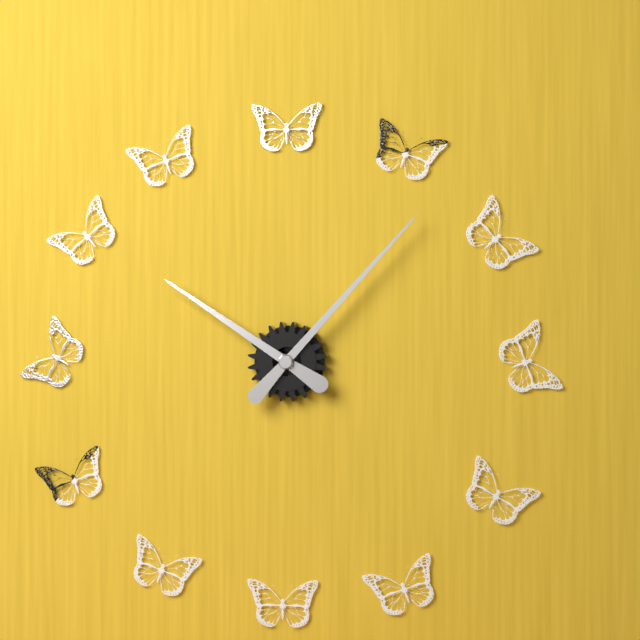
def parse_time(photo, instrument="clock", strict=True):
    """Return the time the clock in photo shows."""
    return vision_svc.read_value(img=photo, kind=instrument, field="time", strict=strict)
10:07
